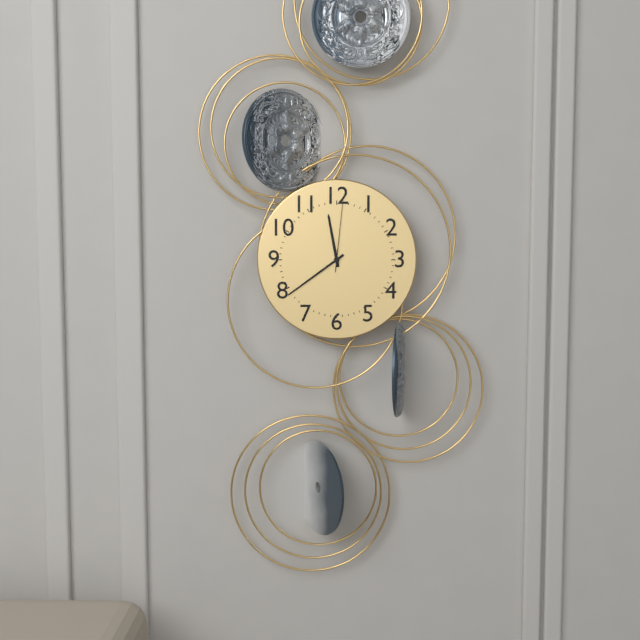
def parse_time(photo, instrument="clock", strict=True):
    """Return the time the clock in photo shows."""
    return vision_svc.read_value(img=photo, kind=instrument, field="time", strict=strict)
11:39:01
